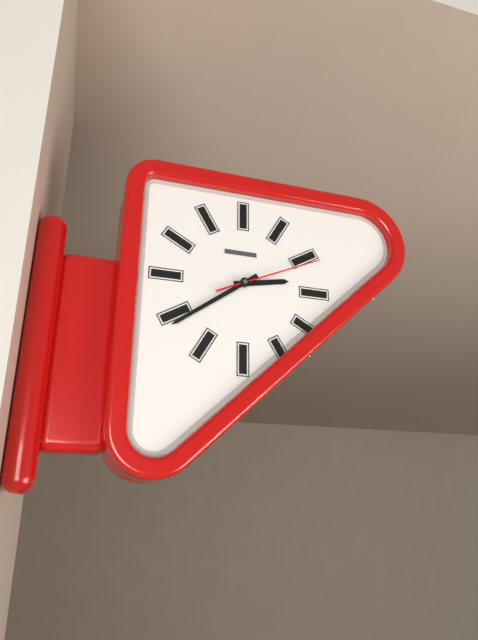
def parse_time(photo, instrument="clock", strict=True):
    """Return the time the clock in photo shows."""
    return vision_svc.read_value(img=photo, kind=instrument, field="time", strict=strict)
2:39:11
